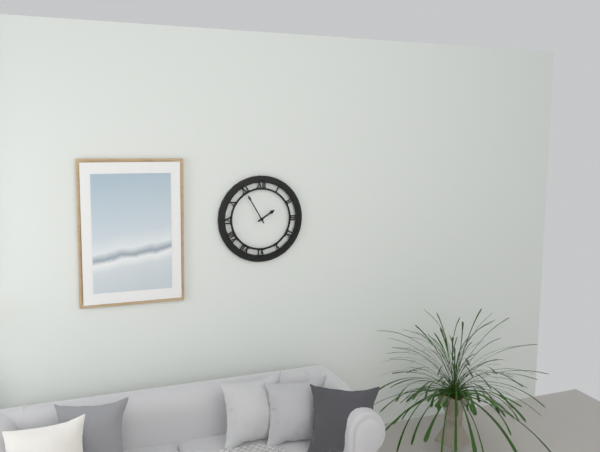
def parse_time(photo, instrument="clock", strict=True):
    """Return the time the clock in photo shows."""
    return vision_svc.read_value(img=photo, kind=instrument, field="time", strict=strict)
1:55
